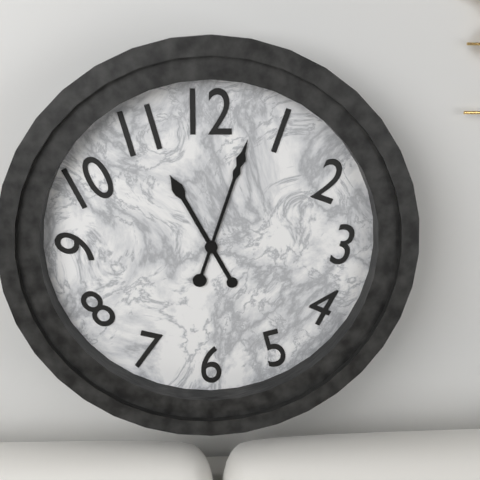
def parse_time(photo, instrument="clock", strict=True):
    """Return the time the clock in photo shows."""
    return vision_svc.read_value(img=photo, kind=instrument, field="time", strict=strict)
11:03
